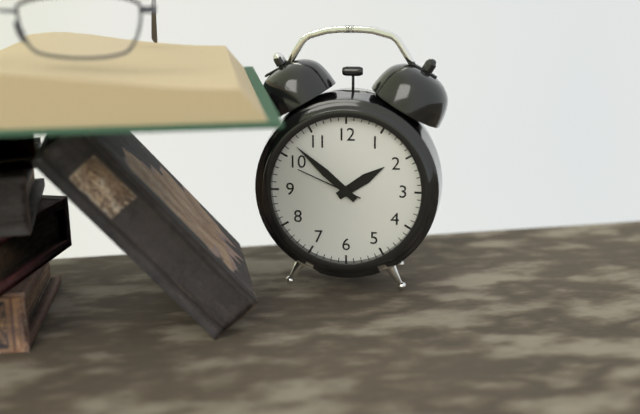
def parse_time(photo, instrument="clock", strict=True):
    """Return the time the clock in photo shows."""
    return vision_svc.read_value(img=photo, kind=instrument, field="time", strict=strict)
1:52:49
